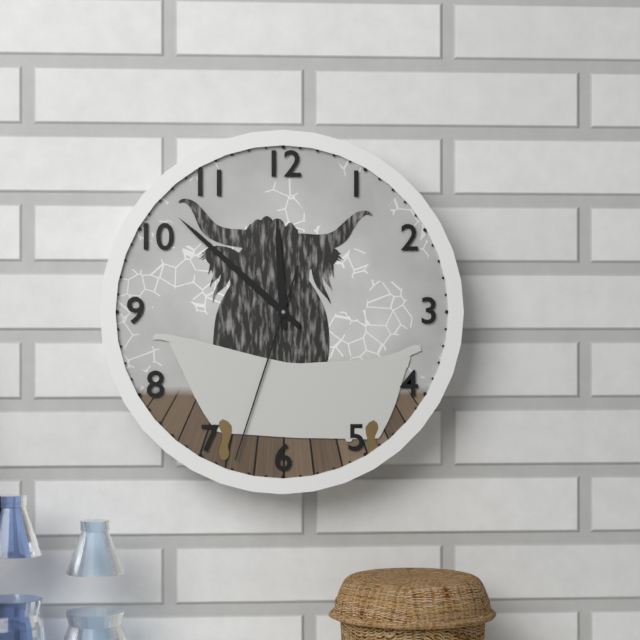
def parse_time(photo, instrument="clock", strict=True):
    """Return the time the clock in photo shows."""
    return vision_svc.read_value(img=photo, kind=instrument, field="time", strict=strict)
11:52:33
